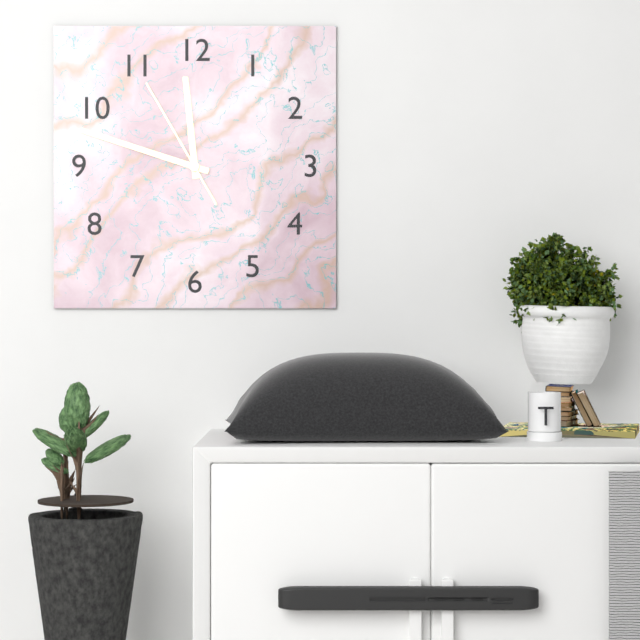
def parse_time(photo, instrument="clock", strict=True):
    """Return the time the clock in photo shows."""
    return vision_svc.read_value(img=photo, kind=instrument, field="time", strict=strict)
11:48:55
